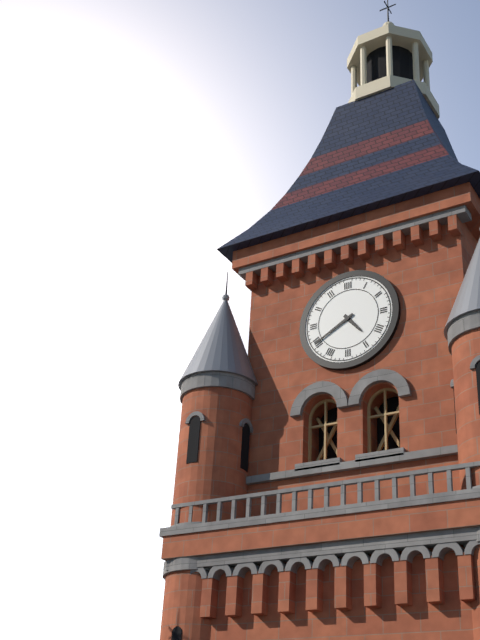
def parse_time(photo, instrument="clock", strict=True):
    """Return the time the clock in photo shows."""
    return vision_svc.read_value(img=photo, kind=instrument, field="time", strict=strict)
4:40
